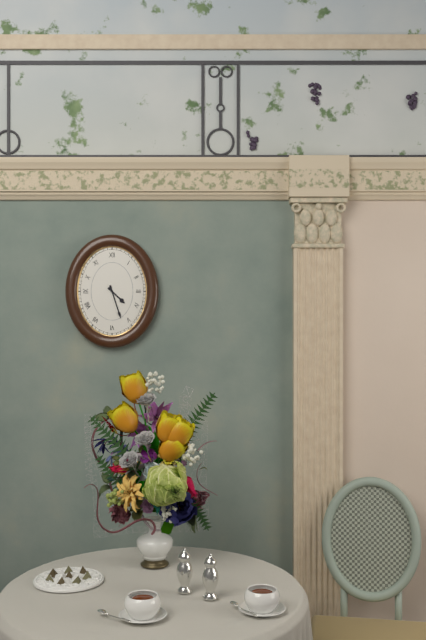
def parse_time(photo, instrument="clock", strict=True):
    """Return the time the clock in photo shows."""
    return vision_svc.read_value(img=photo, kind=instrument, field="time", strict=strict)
4:27
